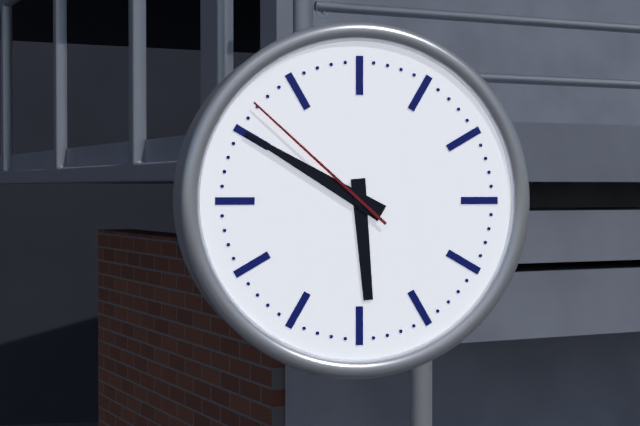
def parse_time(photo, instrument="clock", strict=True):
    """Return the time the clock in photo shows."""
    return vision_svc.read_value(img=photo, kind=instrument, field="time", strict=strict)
5:50:52
